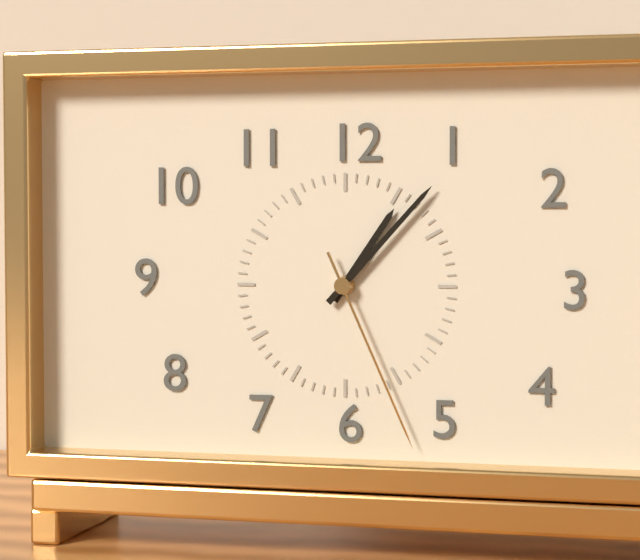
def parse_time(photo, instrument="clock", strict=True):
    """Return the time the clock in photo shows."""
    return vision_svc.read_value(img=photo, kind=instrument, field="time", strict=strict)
1:07:26
